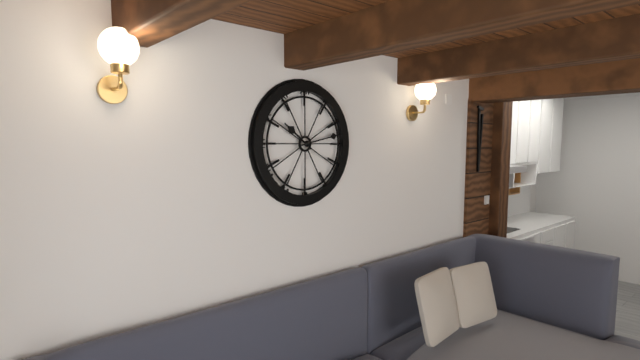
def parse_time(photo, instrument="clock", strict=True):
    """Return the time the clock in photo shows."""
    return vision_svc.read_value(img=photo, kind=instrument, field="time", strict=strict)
10:13
